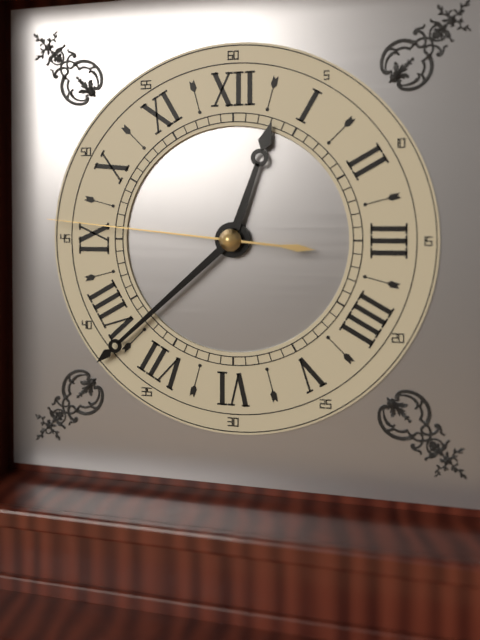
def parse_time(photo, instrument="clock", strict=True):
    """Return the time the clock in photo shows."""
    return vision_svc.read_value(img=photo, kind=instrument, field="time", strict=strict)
12:38:46
